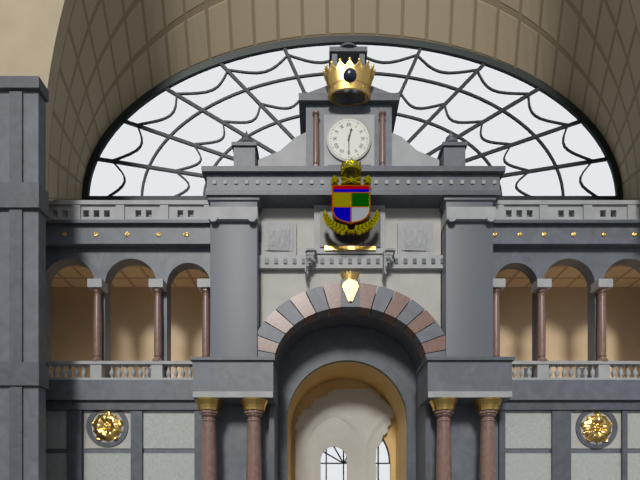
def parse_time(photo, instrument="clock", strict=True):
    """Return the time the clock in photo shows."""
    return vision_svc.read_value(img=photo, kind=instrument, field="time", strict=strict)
12:30
